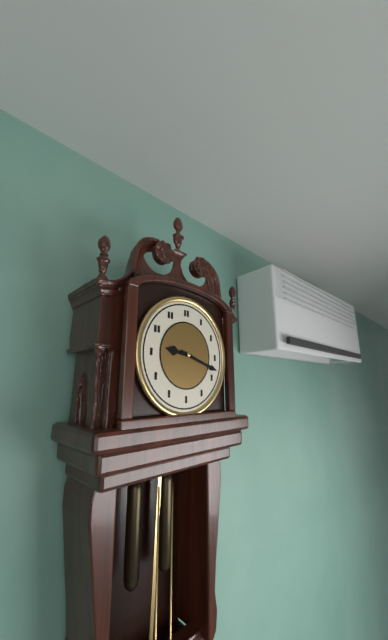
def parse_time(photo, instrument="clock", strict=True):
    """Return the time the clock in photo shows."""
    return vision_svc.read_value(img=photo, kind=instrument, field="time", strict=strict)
9:18
